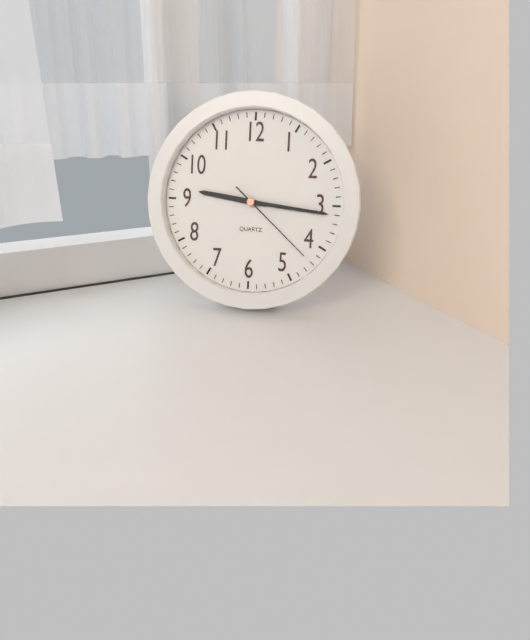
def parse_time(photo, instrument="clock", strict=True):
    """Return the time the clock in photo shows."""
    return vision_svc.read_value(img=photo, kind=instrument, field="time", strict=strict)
9:16:22
